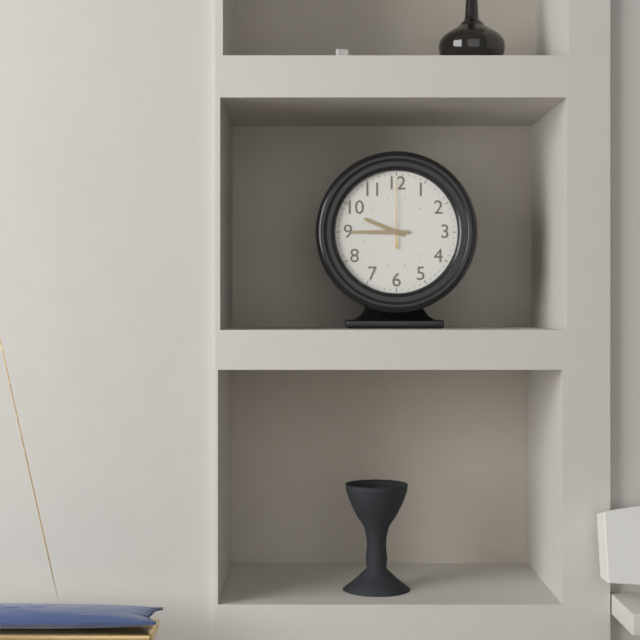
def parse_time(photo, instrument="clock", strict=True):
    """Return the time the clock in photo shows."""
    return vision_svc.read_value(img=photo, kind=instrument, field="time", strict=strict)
9:45:00
